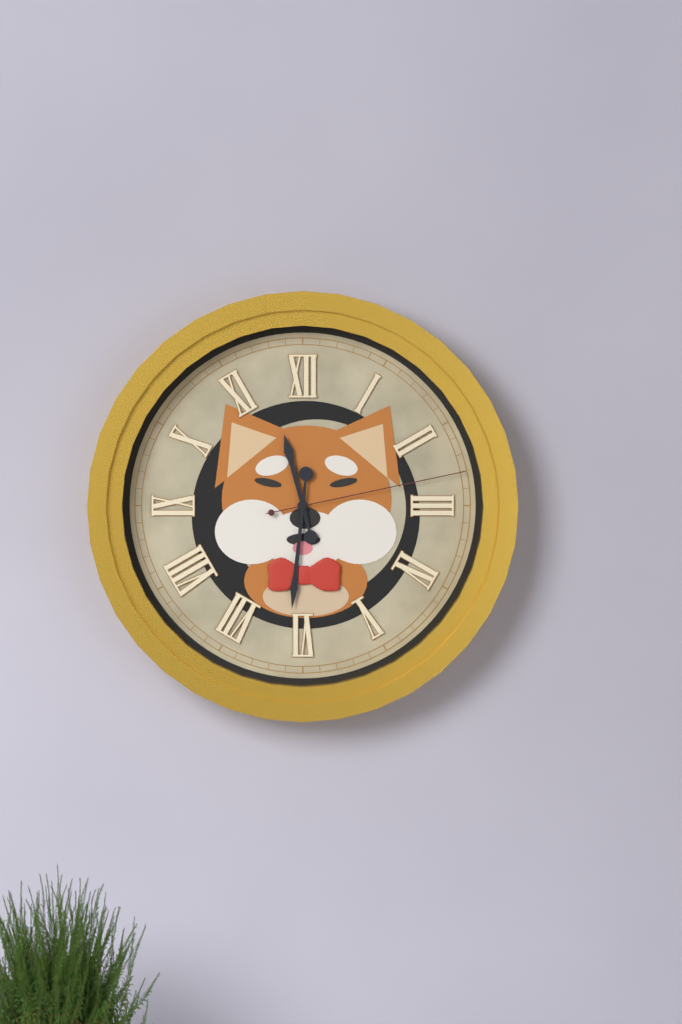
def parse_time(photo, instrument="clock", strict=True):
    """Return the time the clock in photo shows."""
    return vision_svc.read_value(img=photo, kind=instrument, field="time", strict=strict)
11:31:13
